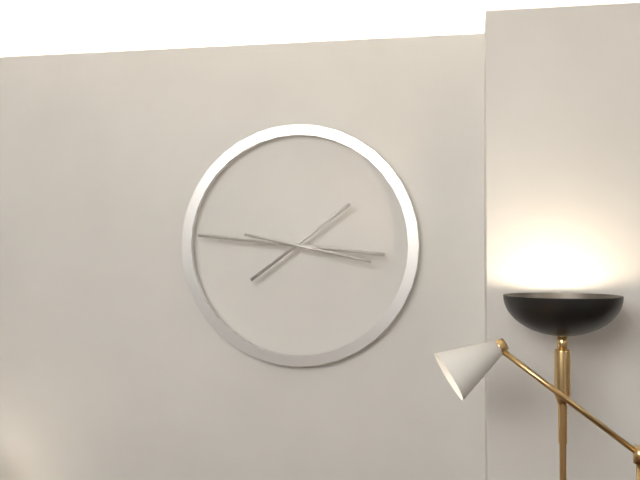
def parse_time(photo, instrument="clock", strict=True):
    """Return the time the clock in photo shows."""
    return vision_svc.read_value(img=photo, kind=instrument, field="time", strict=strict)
1:46:17
